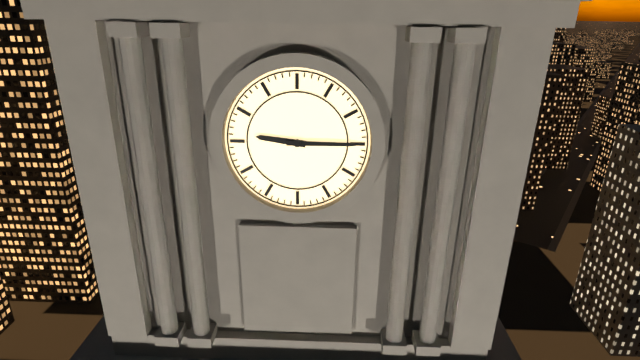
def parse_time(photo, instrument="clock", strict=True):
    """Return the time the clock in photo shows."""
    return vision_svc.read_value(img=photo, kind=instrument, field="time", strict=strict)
9:15
